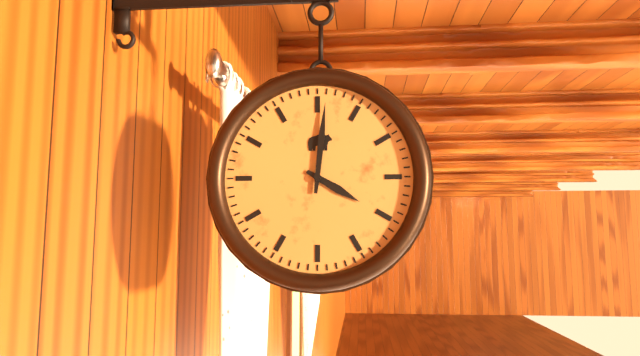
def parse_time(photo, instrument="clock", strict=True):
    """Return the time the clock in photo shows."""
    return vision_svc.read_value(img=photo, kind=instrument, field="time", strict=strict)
4:01
